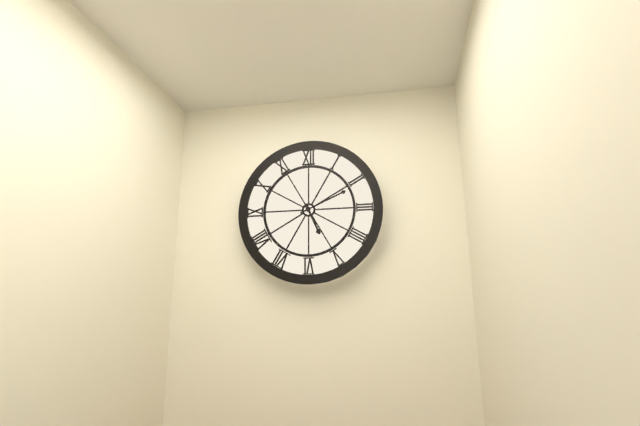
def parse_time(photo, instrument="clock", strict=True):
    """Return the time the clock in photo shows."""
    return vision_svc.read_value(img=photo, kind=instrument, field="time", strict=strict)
5:11
